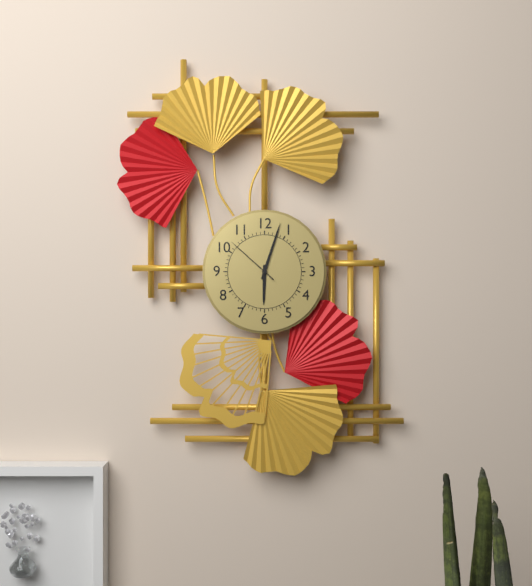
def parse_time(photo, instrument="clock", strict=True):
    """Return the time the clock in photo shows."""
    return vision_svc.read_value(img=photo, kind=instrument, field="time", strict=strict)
6:03:52
